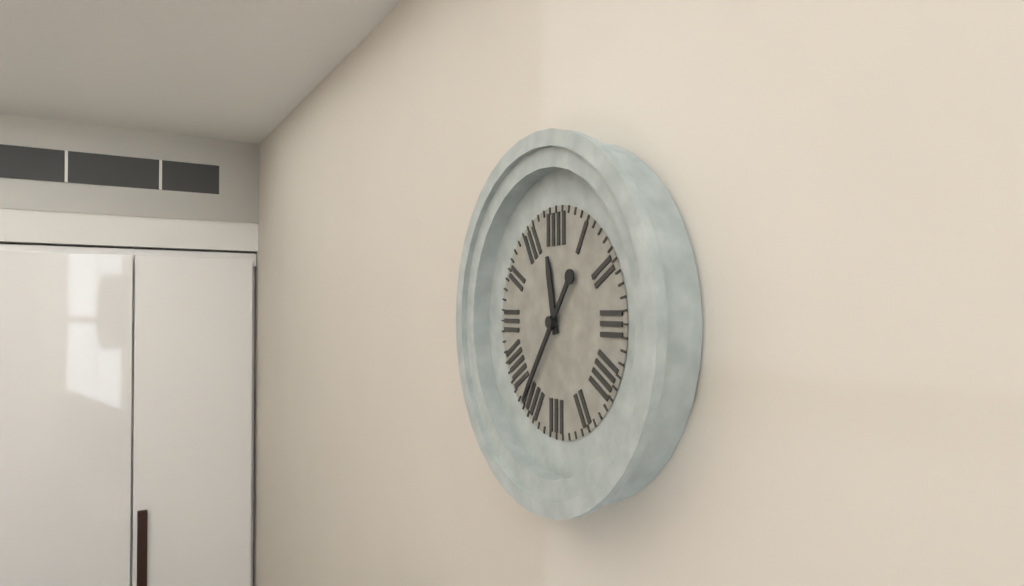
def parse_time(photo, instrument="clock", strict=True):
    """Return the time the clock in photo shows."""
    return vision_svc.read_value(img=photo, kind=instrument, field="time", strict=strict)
11:36
